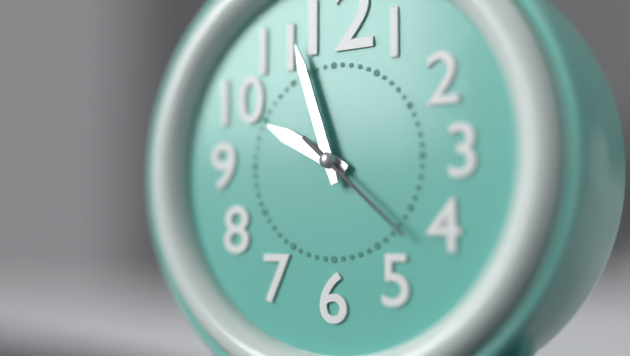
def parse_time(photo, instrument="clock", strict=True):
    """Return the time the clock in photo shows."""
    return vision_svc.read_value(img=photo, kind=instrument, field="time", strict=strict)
9:57:22
